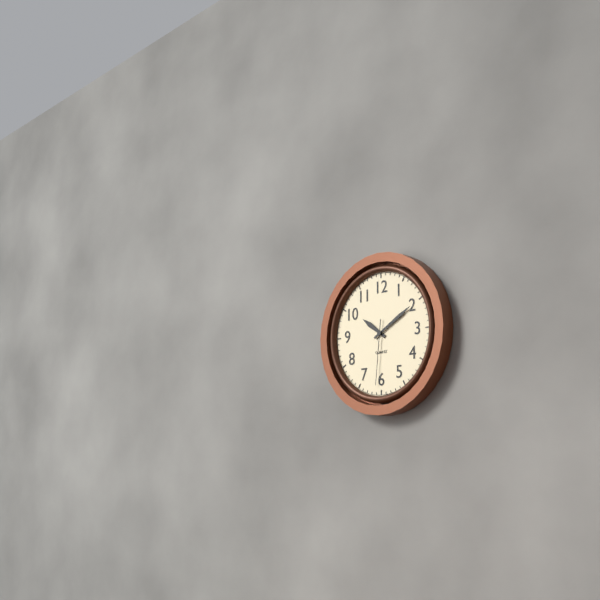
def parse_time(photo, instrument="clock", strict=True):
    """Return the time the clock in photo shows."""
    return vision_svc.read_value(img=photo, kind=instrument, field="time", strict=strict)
10:10:31
